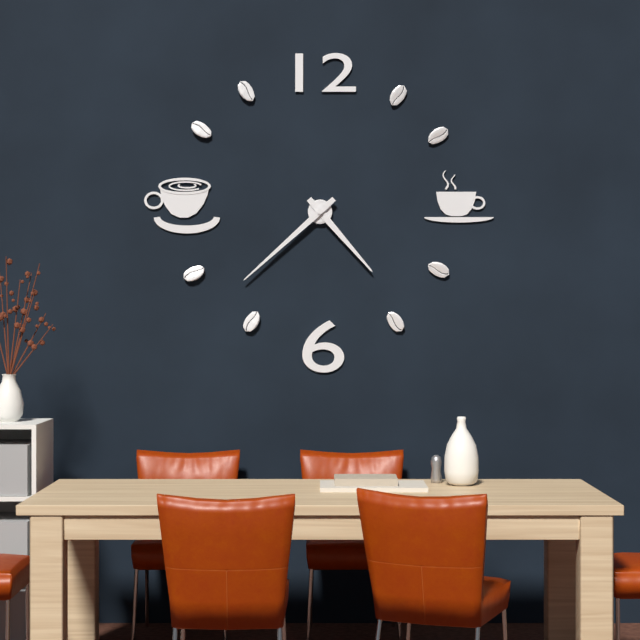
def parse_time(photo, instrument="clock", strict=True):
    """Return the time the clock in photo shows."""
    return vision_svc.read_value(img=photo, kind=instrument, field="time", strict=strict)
4:38
